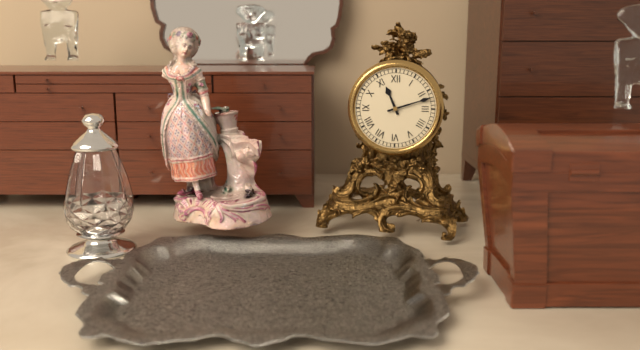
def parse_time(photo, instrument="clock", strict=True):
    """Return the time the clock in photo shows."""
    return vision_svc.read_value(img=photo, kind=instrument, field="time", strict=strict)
11:12
